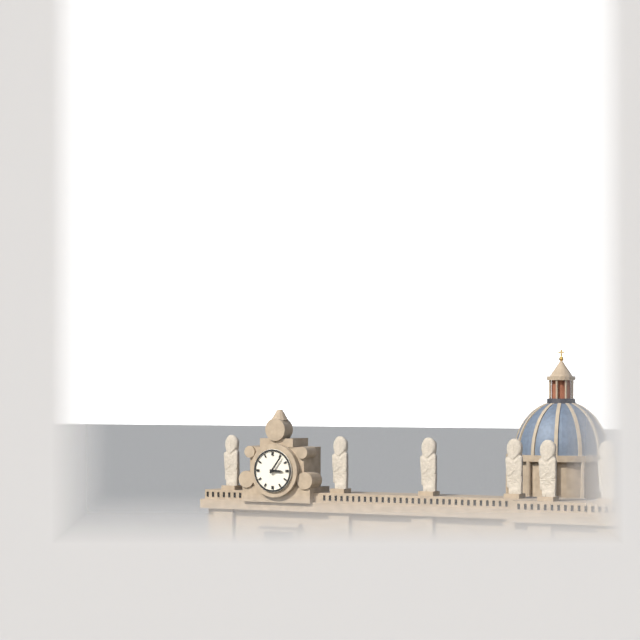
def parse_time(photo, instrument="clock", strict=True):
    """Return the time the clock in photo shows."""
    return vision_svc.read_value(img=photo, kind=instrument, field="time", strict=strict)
3:06
